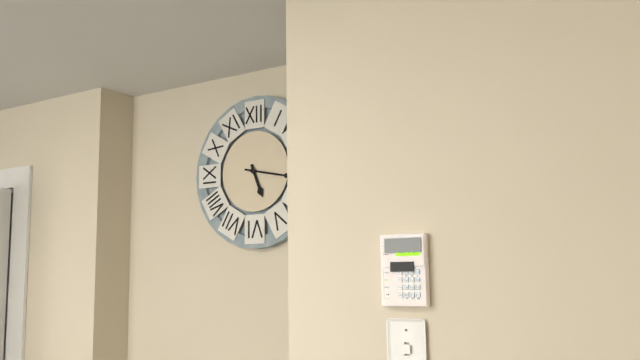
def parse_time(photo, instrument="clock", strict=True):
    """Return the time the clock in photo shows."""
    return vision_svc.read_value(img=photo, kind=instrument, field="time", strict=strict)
5:17
